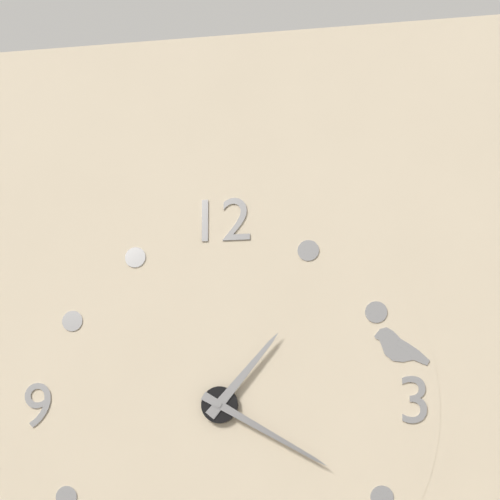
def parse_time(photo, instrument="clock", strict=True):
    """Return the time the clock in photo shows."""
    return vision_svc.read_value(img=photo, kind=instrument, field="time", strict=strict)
1:20
